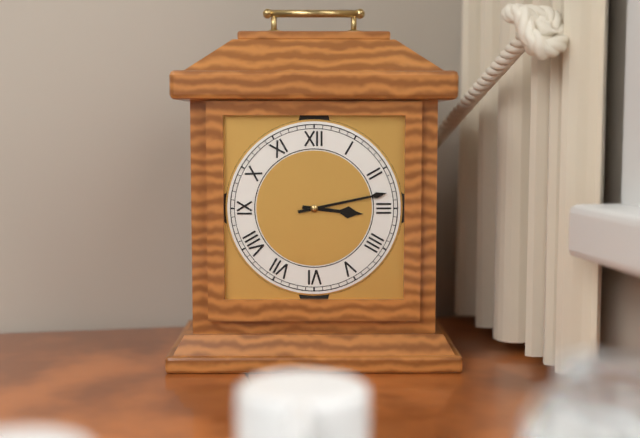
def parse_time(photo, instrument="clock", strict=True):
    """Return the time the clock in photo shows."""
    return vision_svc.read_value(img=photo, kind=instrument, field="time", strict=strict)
3:13
